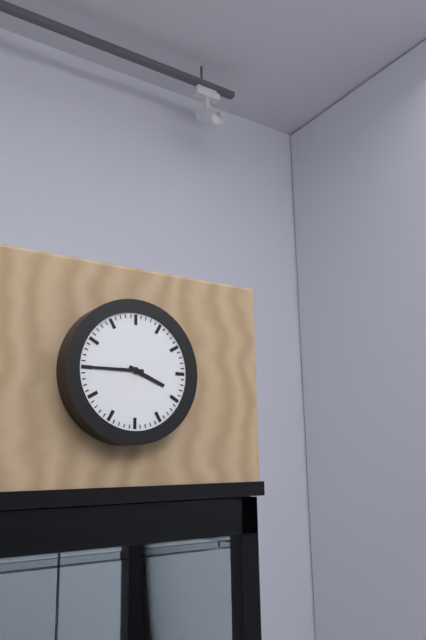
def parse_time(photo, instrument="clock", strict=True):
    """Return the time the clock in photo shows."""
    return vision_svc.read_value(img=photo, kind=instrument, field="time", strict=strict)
3:45
